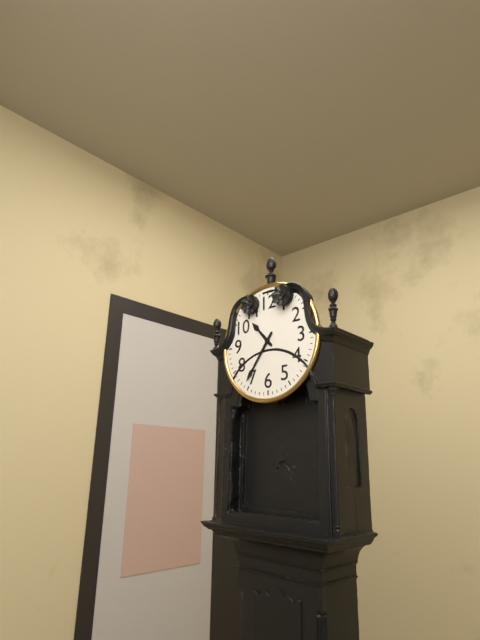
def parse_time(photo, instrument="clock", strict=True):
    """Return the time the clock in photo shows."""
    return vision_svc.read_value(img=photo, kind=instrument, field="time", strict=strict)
10:36
